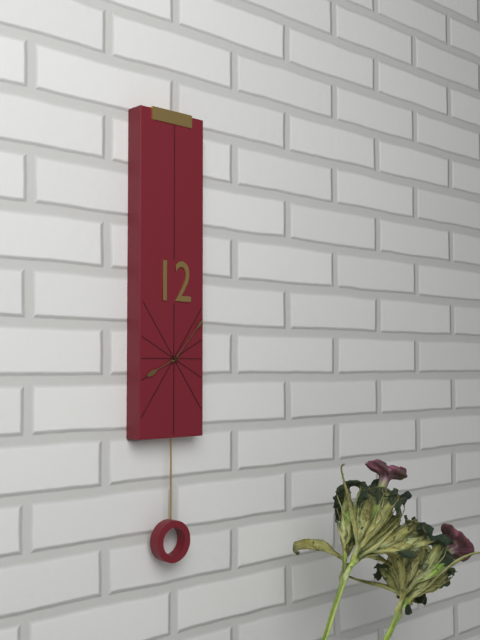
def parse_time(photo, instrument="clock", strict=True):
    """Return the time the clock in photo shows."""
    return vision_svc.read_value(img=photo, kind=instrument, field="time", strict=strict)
8:07
